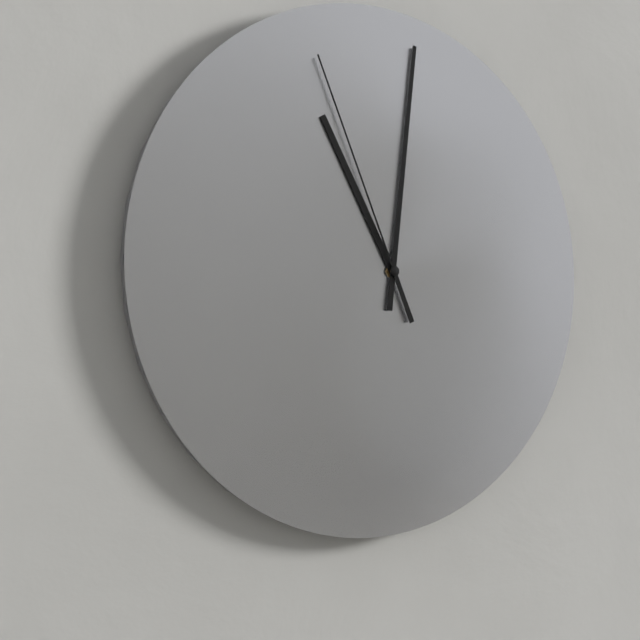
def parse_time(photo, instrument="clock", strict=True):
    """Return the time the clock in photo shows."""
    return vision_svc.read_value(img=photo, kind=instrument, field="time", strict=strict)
11:01:56
